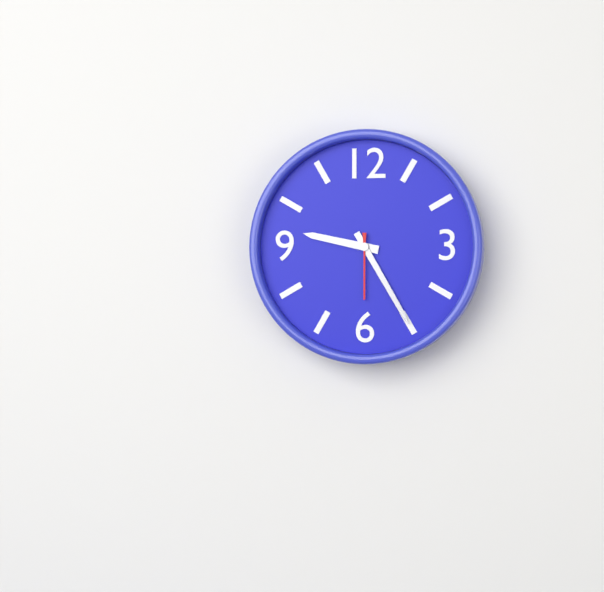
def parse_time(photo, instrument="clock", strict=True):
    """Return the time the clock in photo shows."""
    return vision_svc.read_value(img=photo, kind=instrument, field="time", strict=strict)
9:25:30
